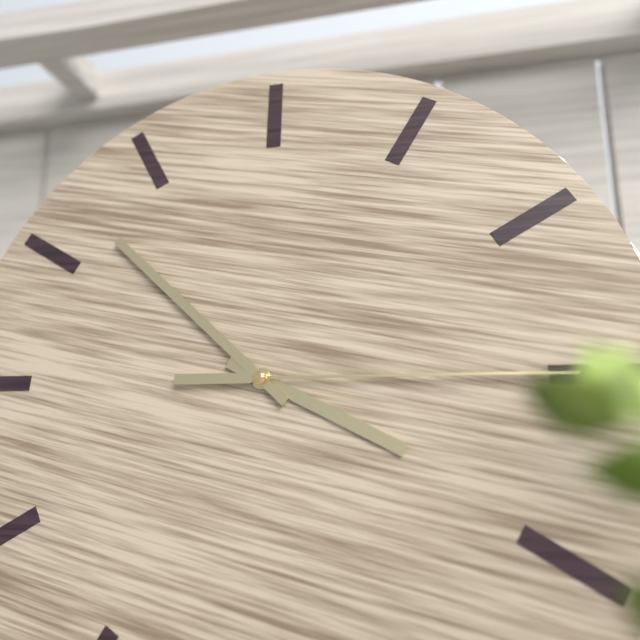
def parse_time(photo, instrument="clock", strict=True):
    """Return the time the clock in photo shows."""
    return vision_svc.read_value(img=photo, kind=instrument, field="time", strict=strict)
3:52:15
